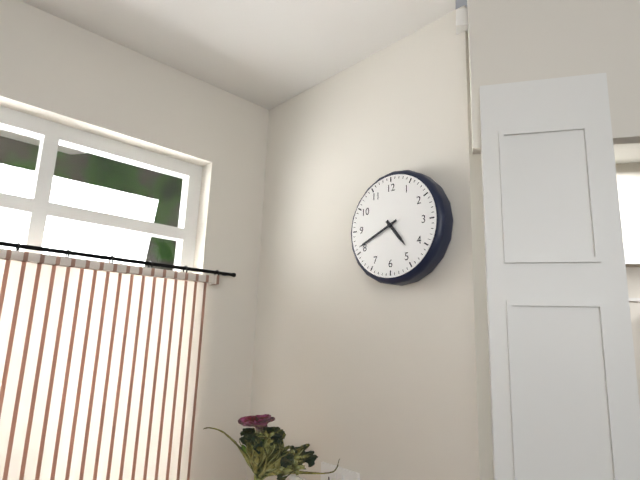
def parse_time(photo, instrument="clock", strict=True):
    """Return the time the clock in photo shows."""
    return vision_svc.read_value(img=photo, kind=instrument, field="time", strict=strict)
4:41
